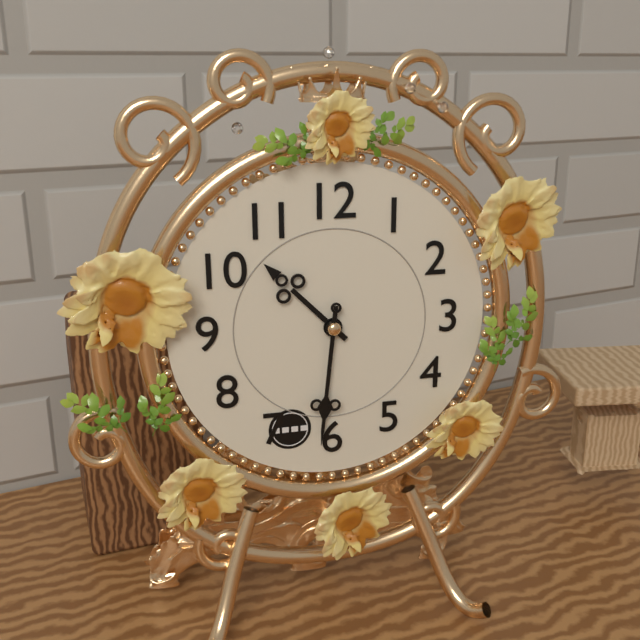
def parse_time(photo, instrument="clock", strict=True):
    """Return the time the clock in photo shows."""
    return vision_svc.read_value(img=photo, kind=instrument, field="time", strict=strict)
10:31
